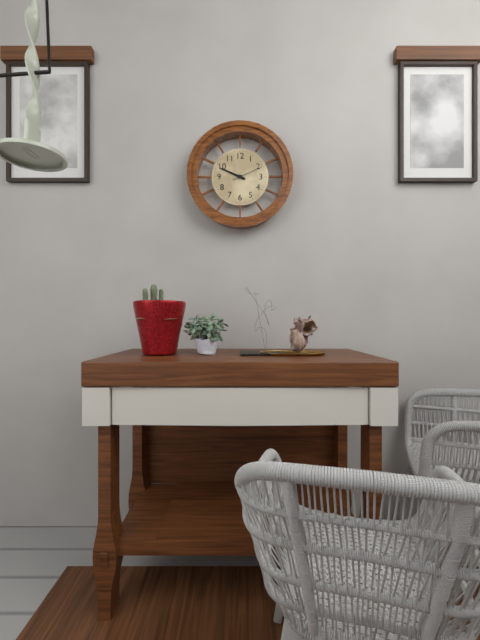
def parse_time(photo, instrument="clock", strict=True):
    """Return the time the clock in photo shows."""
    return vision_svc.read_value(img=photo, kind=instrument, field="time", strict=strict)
9:49
